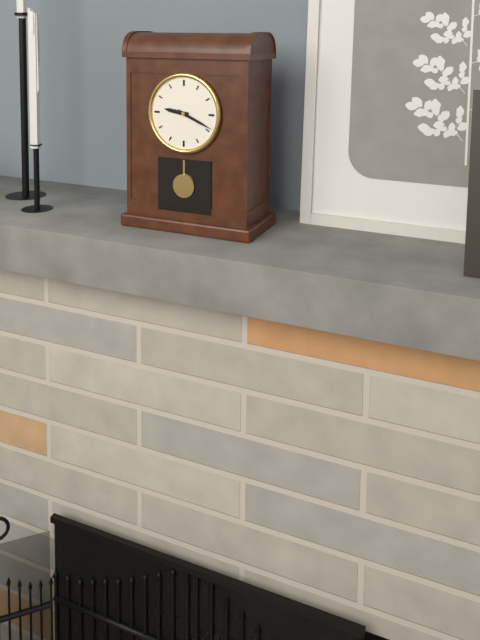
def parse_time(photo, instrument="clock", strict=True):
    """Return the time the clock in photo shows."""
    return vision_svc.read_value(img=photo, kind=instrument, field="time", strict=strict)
9:19
